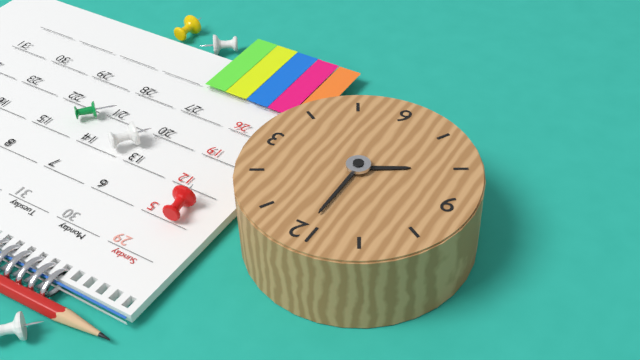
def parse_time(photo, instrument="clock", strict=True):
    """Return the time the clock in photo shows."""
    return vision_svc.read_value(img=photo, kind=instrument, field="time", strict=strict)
8:00
